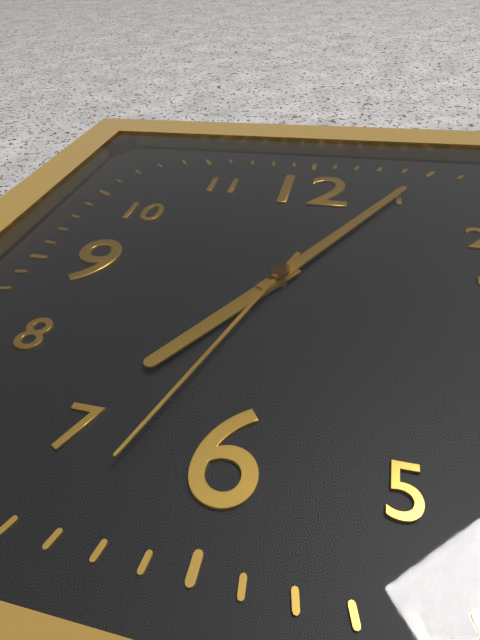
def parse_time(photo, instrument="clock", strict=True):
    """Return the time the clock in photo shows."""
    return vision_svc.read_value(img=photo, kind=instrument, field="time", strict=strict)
7:05:33
